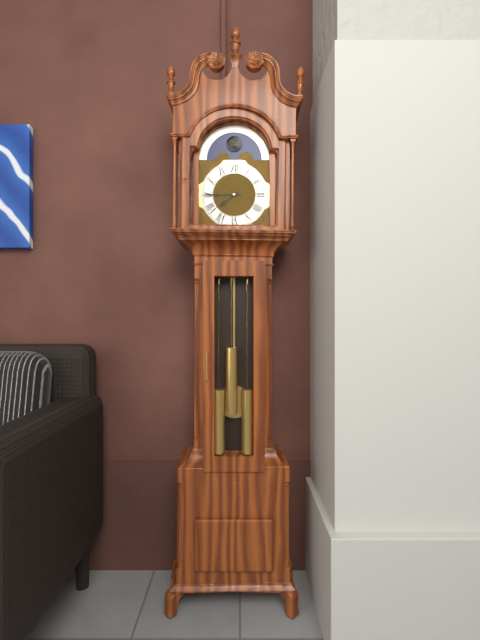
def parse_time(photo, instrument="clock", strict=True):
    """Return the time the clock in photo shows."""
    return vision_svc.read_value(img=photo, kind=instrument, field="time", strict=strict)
7:45
